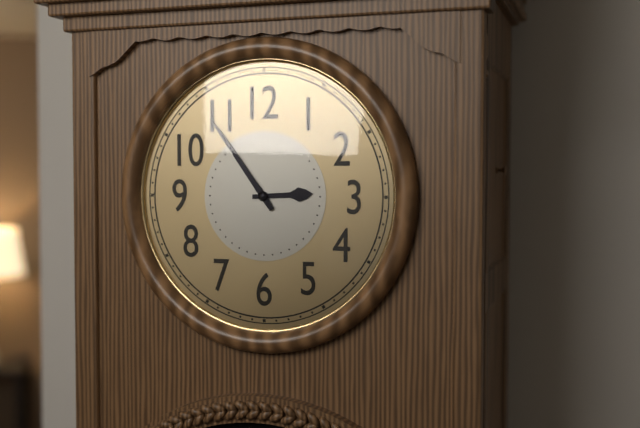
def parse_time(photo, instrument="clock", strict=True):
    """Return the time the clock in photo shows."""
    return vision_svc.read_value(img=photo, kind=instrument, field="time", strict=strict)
2:54
